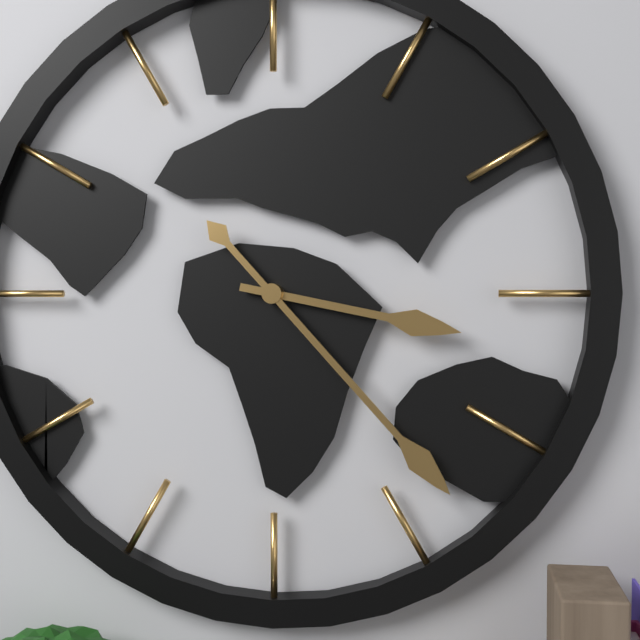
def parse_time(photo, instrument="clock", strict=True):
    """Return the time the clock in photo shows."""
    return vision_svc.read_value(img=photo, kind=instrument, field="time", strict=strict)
3:23
